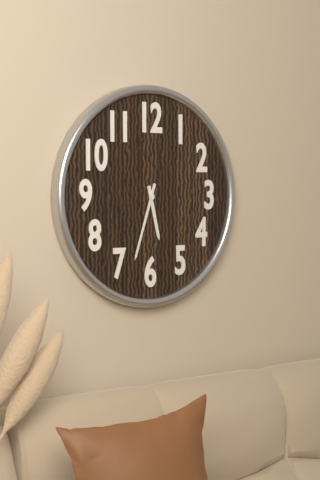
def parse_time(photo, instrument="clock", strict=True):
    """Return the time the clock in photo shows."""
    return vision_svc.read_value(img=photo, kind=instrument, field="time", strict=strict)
5:33
